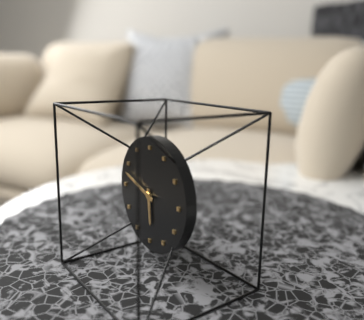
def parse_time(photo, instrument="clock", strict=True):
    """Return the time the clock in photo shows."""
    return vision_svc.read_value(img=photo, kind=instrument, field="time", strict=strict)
5:48
